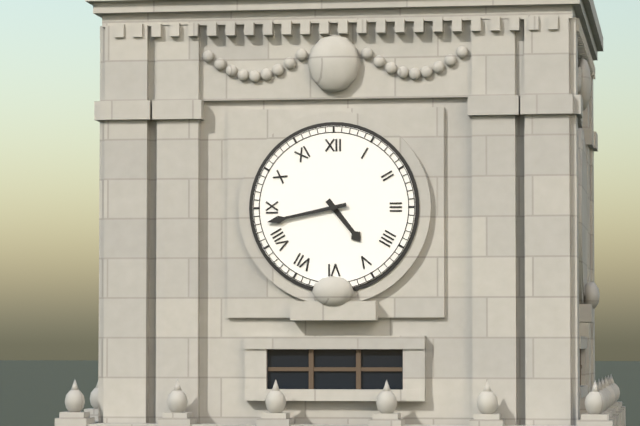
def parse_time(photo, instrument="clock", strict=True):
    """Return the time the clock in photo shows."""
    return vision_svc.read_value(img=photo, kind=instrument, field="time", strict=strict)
4:43
